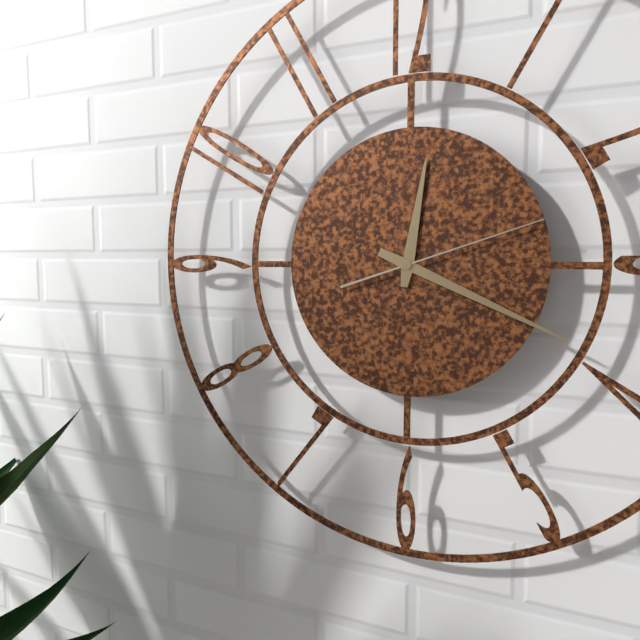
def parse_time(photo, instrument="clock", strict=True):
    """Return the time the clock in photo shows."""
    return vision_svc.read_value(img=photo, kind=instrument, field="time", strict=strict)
12:19:12
